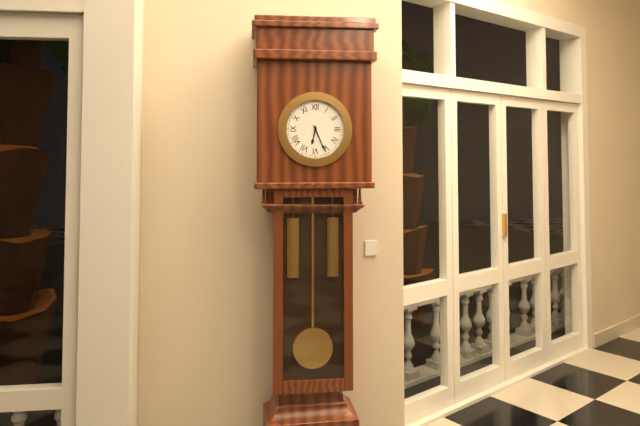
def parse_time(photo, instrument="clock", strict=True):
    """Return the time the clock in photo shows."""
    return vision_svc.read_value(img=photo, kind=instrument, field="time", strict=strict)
6:26
